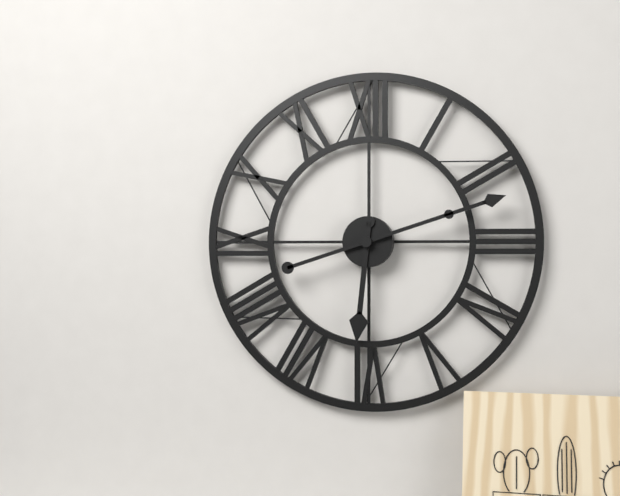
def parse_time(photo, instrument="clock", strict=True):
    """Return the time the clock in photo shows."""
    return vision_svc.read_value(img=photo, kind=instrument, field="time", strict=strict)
6:12
